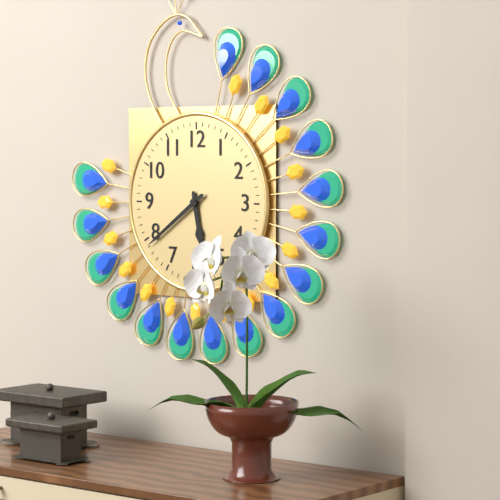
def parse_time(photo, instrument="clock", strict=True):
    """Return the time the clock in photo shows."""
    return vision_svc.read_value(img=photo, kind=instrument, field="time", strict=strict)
5:39
